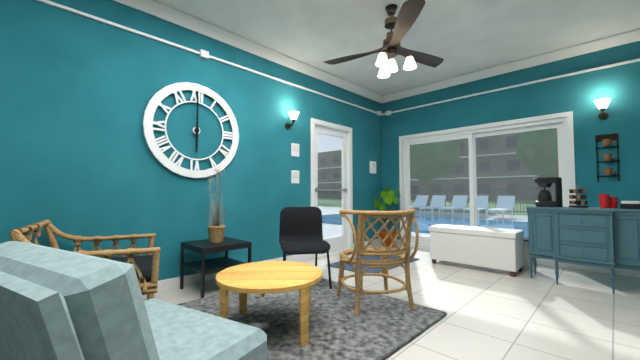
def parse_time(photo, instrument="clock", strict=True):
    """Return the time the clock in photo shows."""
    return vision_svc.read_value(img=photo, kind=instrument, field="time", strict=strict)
6:00
